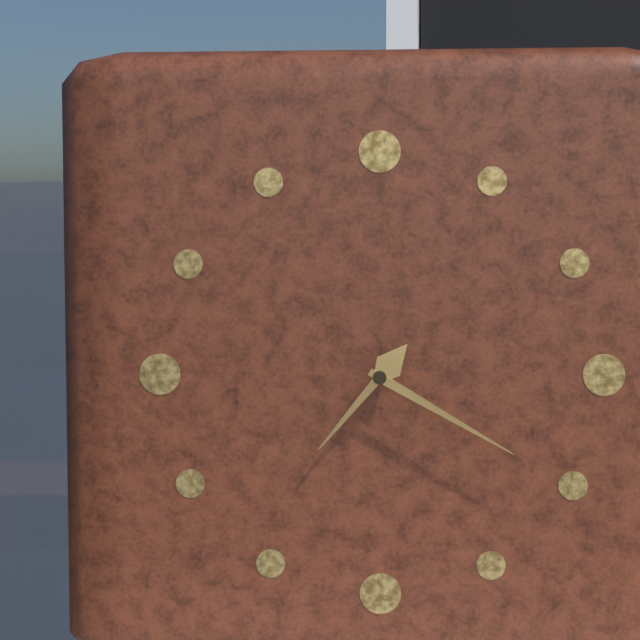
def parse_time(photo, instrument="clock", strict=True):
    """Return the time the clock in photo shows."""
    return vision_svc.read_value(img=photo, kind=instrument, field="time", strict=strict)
7:20
